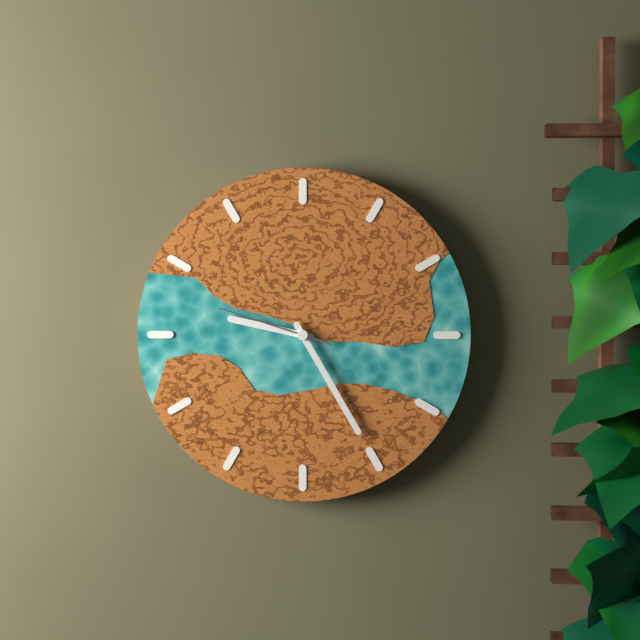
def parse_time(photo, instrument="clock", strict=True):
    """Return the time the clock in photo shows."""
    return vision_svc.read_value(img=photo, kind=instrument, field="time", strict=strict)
9:25:48
